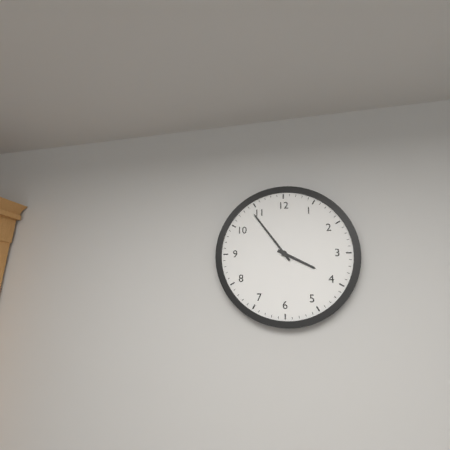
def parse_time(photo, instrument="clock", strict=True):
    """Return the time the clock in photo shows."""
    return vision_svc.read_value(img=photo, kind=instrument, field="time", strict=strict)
3:54
